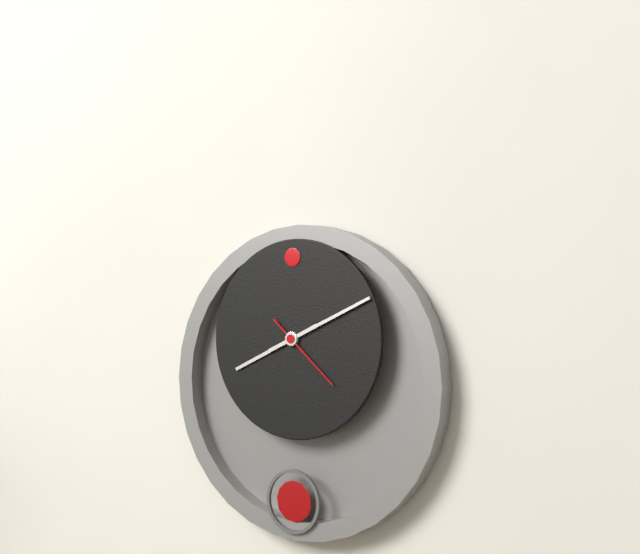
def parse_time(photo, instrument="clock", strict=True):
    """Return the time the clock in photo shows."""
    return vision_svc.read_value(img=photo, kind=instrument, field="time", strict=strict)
8:11:22
